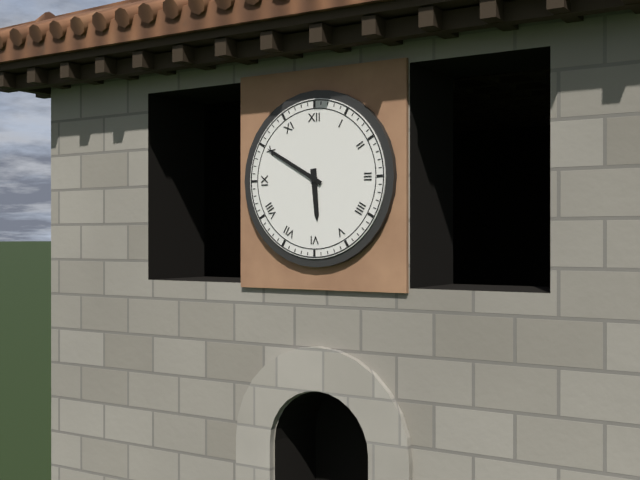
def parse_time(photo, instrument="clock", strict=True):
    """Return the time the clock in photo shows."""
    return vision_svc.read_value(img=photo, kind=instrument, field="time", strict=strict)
5:50
